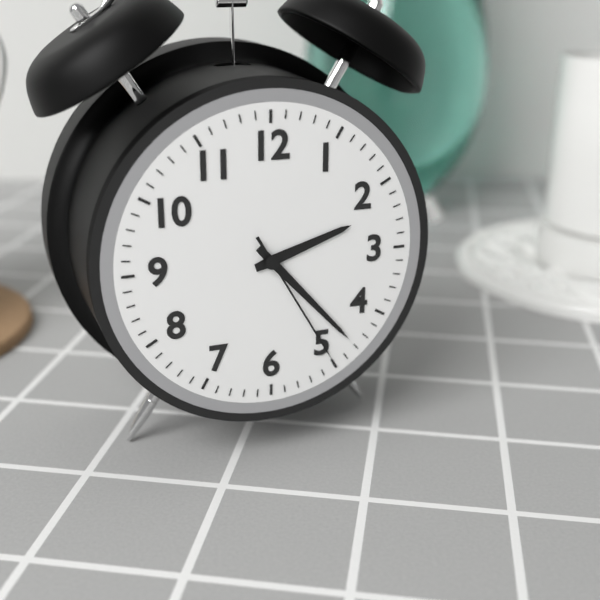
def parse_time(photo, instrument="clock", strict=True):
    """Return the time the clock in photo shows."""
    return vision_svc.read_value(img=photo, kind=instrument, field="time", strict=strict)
2:23:25
